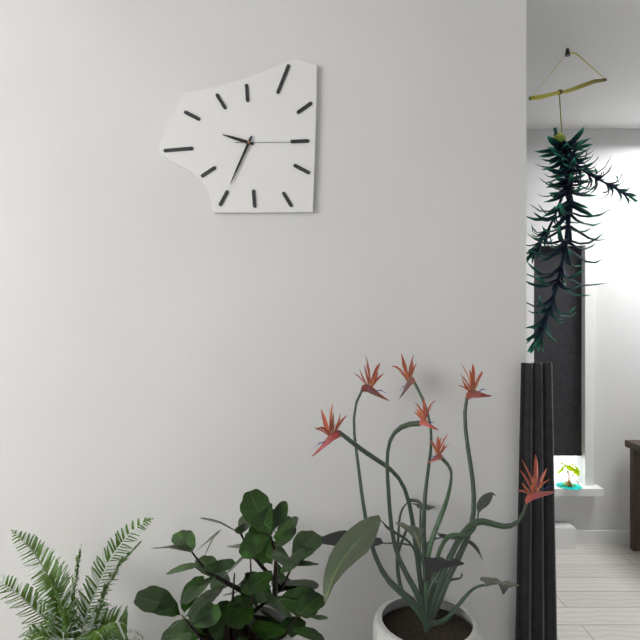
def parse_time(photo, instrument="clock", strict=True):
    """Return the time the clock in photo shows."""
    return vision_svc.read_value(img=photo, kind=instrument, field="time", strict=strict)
9:34:15
